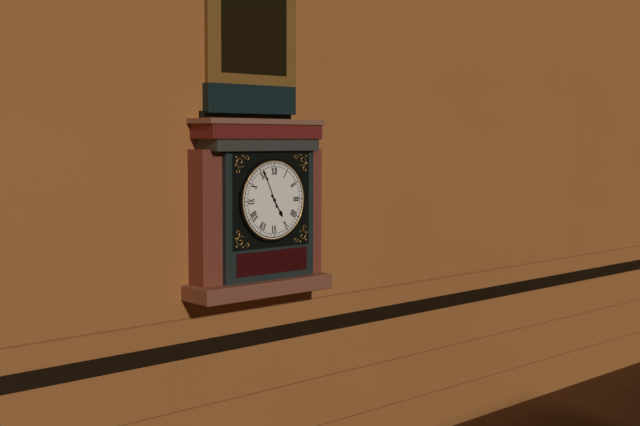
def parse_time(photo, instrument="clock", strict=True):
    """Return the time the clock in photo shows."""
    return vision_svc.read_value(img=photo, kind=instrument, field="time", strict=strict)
4:56
